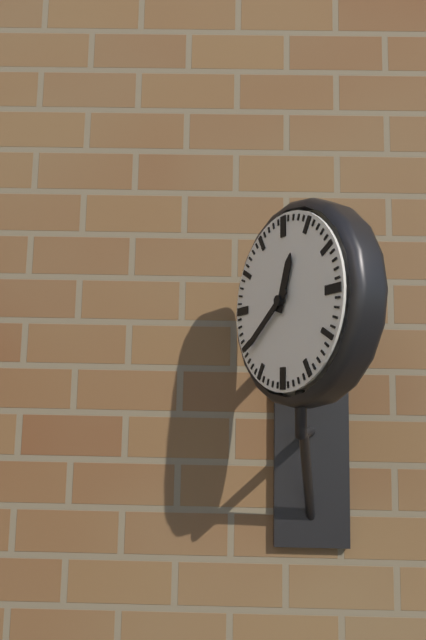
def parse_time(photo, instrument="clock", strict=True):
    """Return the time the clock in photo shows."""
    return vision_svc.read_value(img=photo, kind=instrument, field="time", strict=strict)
12:39
